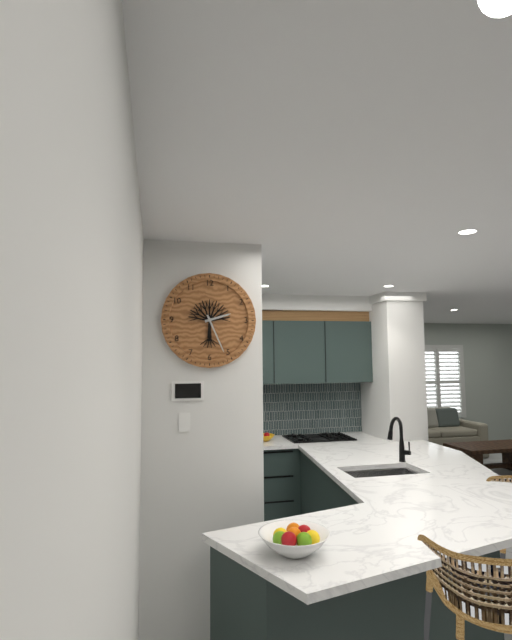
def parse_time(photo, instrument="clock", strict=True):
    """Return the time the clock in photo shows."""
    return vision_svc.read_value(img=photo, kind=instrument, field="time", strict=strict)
2:26
